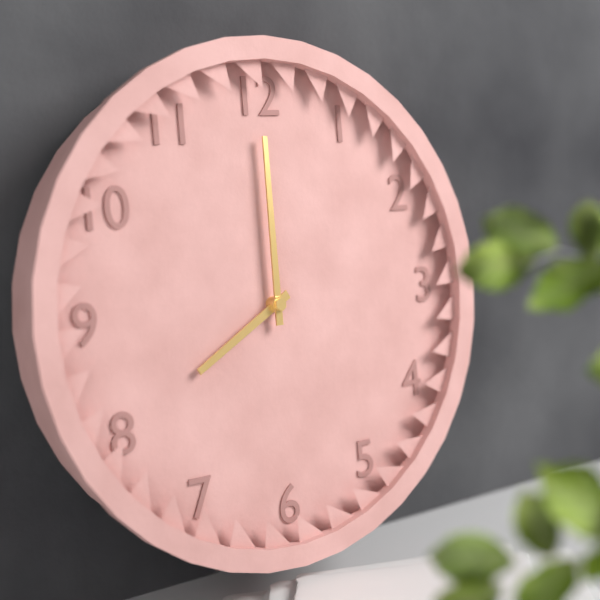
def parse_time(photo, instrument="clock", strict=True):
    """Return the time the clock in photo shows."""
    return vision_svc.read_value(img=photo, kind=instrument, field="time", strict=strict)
8:00
